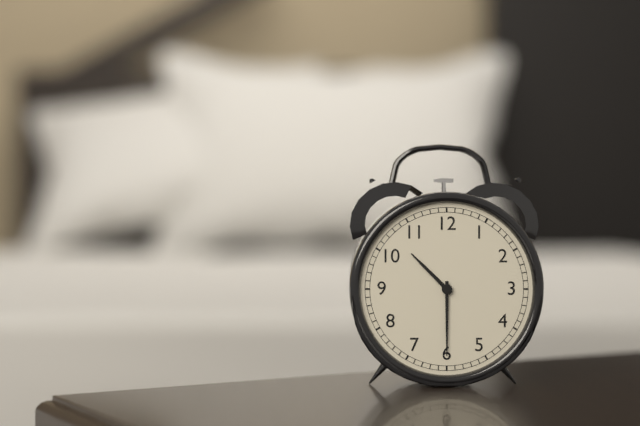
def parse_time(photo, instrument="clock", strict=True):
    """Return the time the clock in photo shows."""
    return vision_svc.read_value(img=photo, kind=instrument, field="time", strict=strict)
10:30
